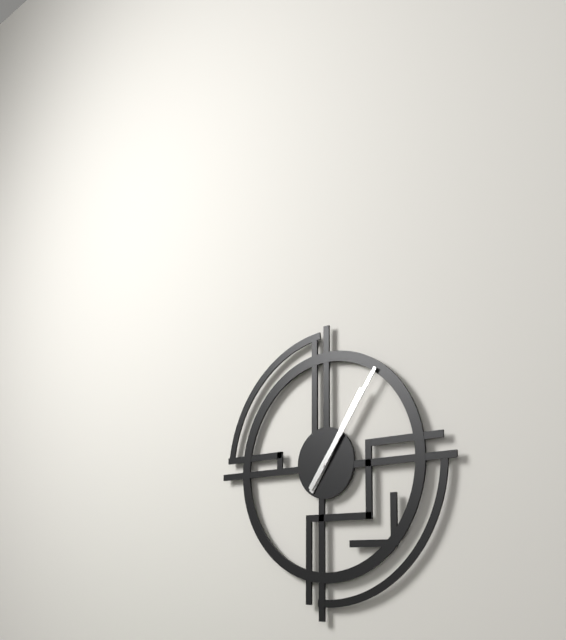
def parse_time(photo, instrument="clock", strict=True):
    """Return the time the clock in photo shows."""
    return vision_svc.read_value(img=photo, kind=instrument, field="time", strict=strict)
1:06
